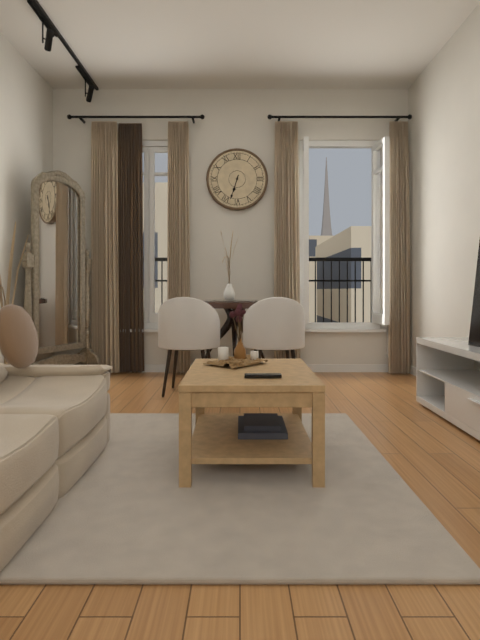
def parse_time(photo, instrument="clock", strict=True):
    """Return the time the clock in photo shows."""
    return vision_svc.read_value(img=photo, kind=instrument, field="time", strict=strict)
6:33
